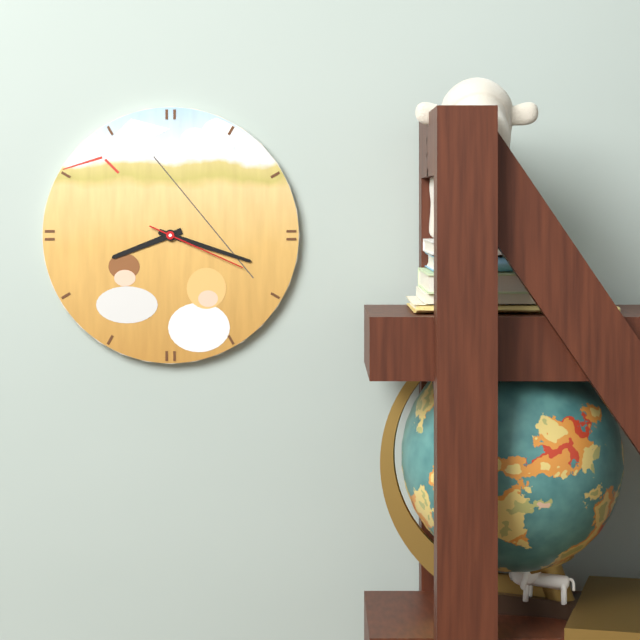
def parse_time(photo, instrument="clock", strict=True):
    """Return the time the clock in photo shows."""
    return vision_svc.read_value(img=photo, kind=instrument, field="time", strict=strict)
8:18:19
